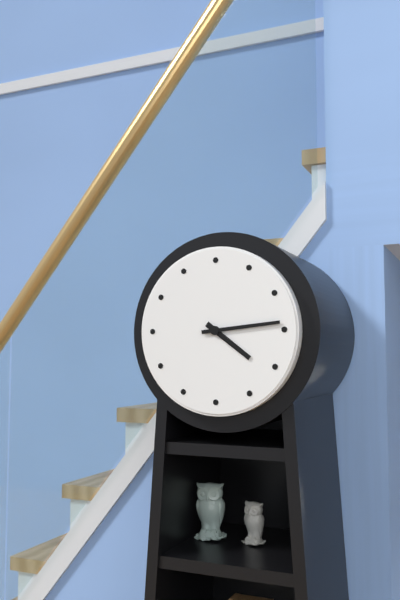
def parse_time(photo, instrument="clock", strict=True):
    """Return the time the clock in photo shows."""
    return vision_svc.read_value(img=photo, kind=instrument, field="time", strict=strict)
4:14
